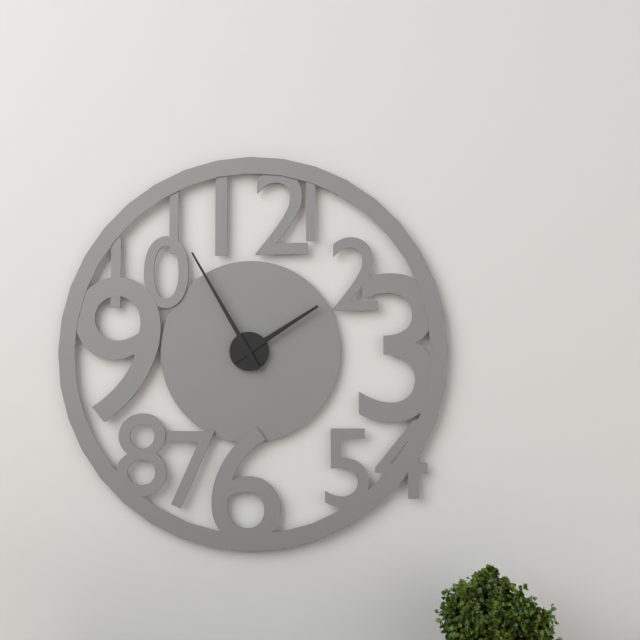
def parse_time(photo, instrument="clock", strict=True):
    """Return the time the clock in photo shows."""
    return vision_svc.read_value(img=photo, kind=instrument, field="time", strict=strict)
1:55
